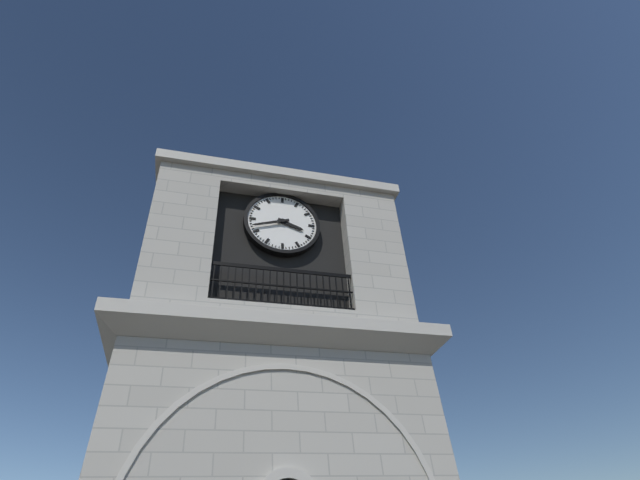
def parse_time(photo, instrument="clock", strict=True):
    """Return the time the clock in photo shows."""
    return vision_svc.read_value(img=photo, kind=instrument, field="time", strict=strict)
3:42
